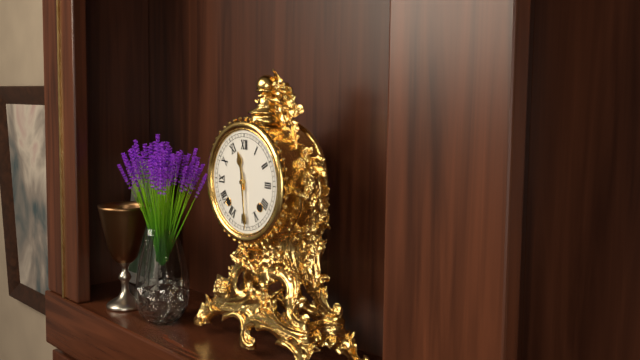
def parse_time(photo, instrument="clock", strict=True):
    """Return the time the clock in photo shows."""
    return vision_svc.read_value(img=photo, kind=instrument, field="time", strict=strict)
11:29
